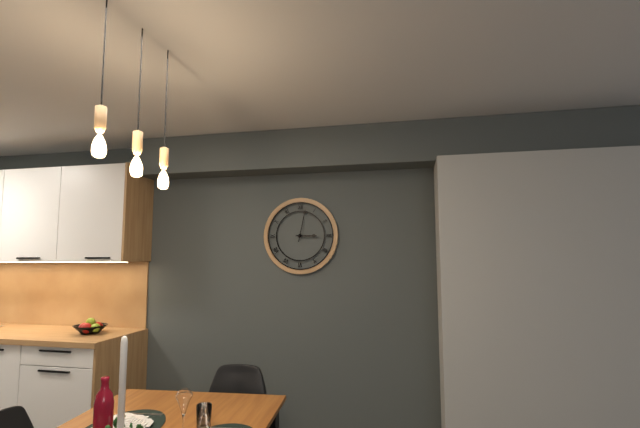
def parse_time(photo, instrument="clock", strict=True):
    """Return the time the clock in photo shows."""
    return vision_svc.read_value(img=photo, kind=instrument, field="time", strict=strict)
3:02
